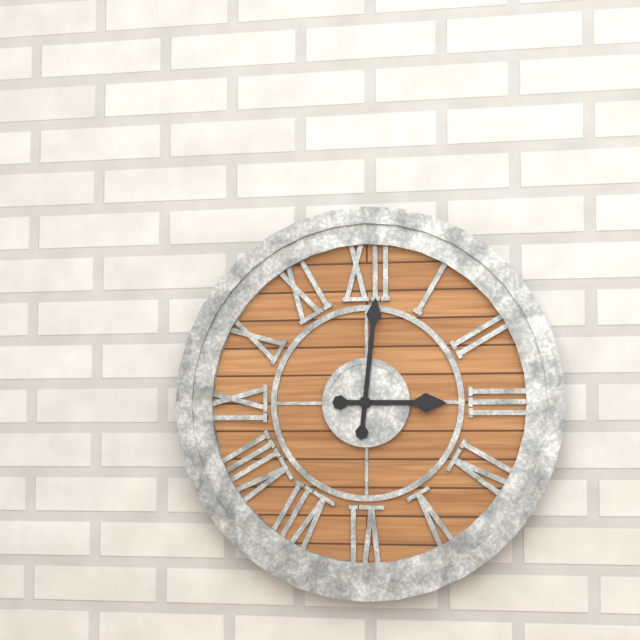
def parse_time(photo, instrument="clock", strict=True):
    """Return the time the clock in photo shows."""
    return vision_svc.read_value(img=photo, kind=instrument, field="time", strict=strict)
3:01
